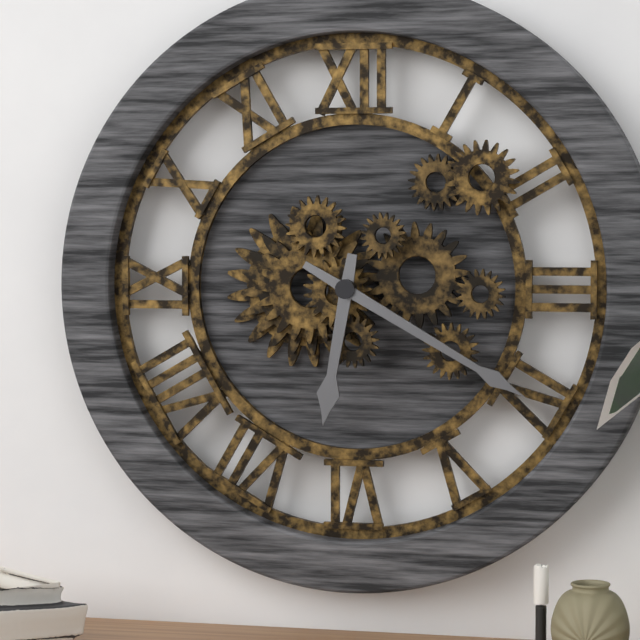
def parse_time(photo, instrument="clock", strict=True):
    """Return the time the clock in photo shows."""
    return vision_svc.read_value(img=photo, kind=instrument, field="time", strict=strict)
6:20
